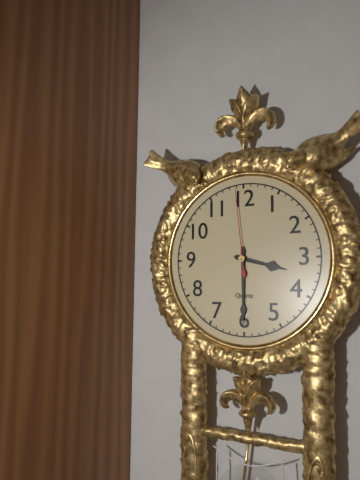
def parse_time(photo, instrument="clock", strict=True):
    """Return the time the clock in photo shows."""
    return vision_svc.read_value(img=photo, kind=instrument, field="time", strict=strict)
3:30:59
